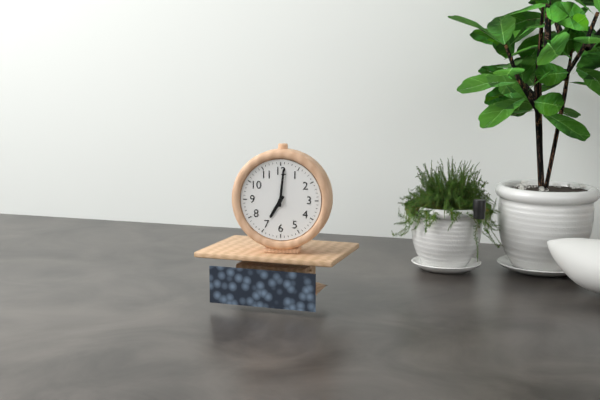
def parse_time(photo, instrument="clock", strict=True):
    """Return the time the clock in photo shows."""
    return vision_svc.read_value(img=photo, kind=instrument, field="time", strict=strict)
7:01
